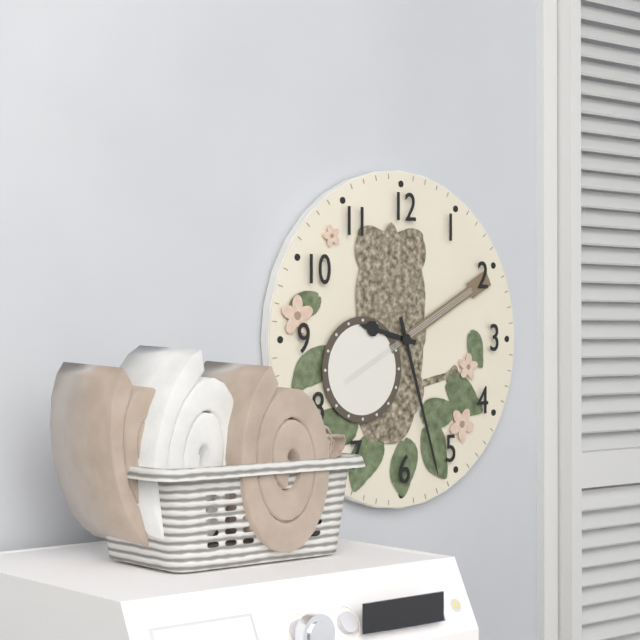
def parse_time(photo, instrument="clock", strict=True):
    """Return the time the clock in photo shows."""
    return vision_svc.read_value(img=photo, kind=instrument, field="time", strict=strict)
9:27
